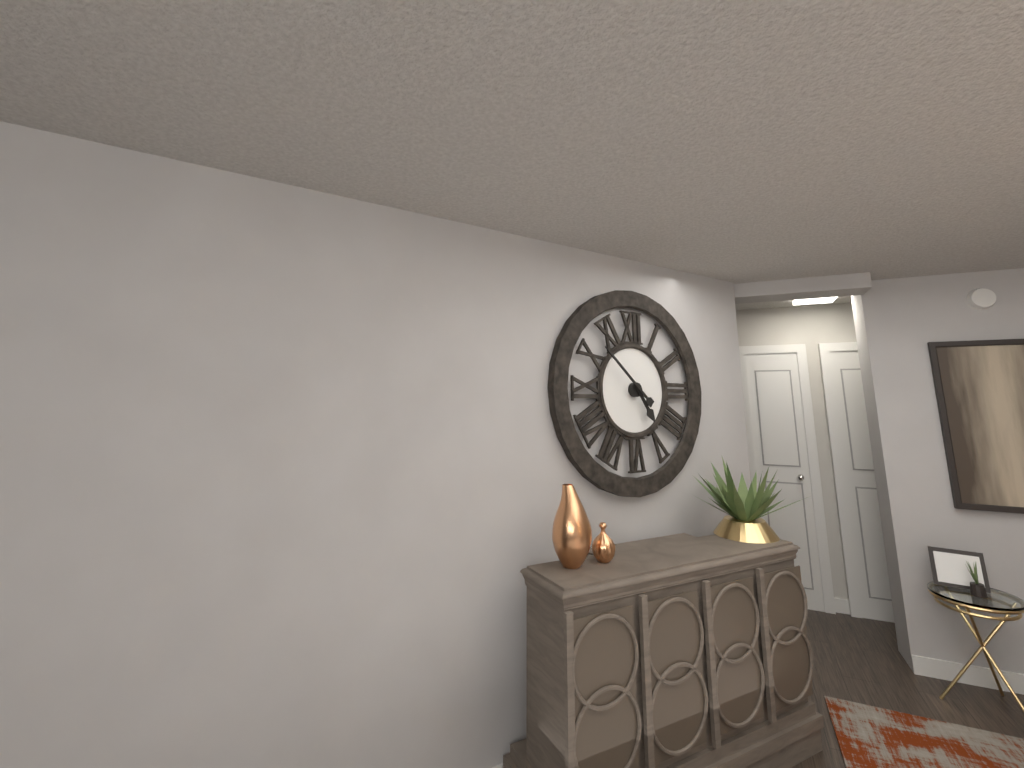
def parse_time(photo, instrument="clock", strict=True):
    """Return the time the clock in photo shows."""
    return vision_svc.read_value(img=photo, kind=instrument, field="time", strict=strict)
4:52
